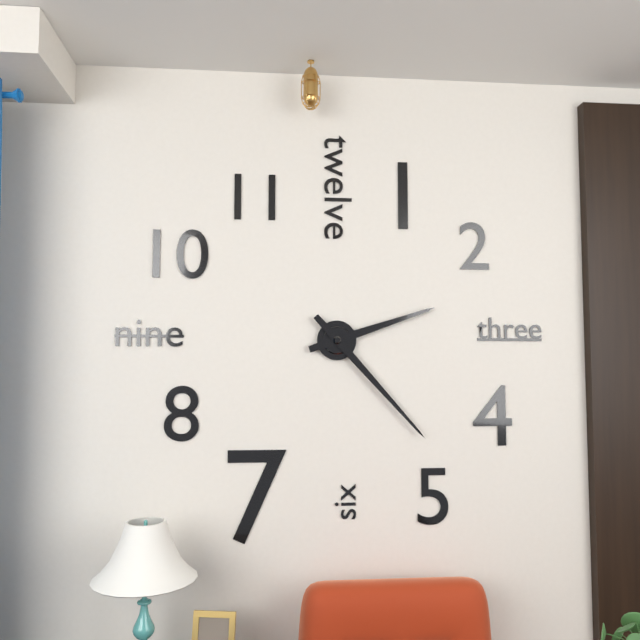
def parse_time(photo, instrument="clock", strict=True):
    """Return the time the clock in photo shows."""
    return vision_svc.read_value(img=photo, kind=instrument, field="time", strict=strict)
2:23
